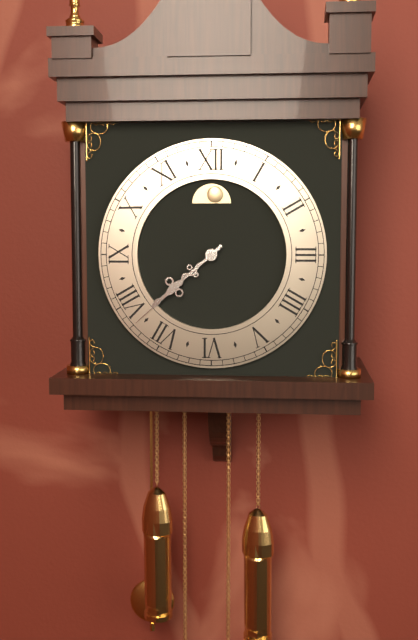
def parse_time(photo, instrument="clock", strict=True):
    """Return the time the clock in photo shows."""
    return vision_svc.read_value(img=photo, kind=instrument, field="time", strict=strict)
7:38
